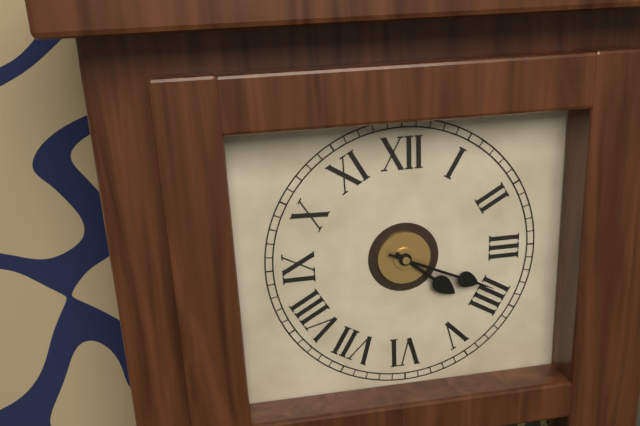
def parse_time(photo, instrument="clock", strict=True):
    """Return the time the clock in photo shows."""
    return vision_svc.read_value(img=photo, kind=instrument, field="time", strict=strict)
4:19
